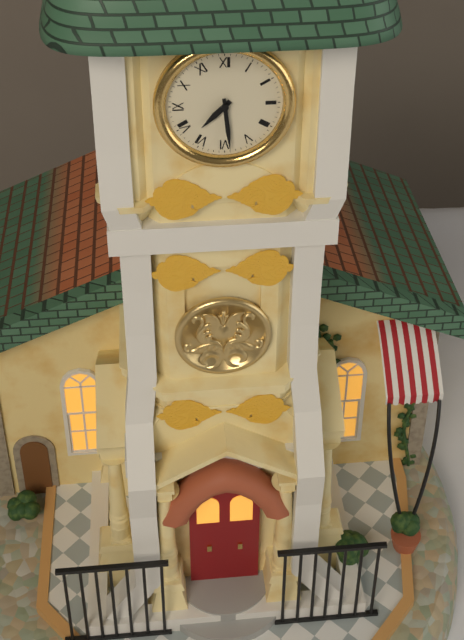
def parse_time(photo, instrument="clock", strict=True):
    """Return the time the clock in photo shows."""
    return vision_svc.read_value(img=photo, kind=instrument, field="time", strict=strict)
7:29
